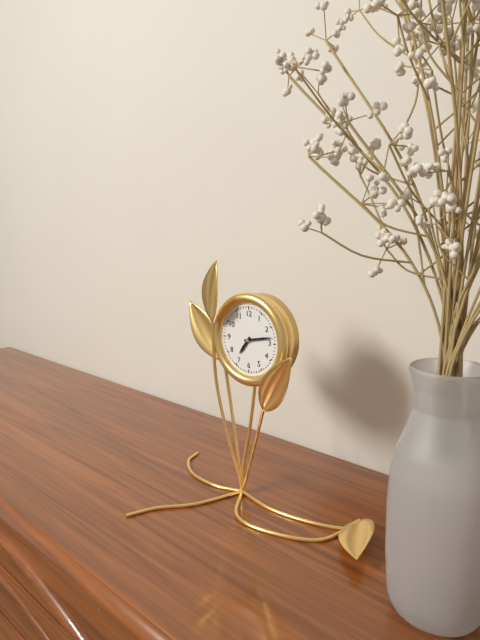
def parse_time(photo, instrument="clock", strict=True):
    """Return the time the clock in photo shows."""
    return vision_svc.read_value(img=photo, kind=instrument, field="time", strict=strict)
7:13
